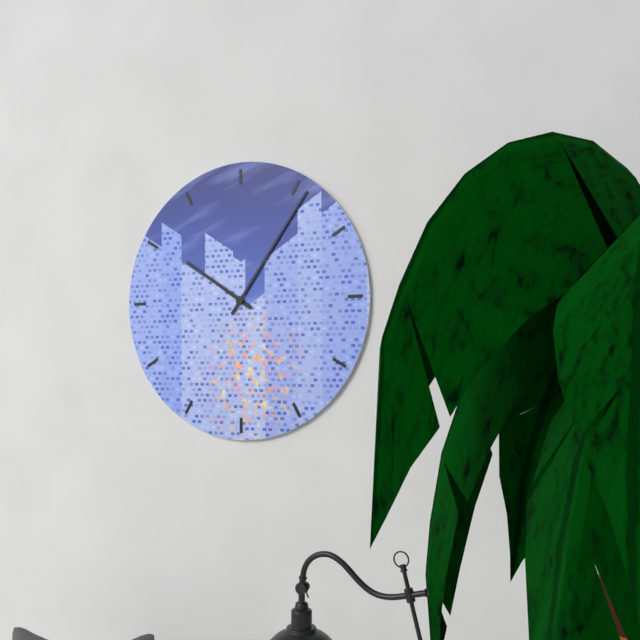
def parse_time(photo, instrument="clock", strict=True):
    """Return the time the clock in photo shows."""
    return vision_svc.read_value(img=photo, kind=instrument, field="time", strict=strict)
10:06
